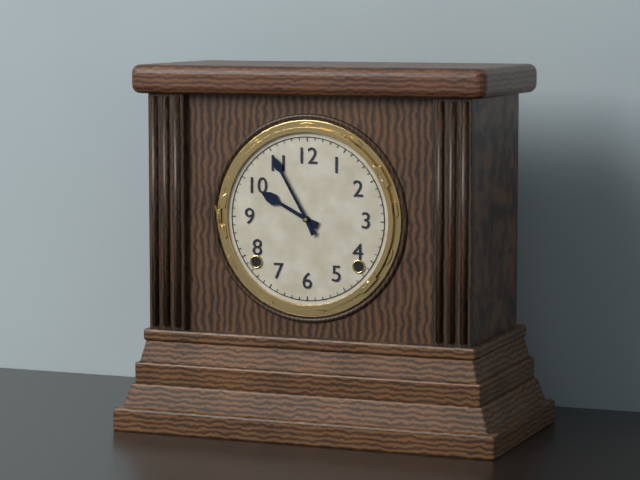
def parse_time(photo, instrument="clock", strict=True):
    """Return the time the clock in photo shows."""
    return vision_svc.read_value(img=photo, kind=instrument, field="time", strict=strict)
9:55
